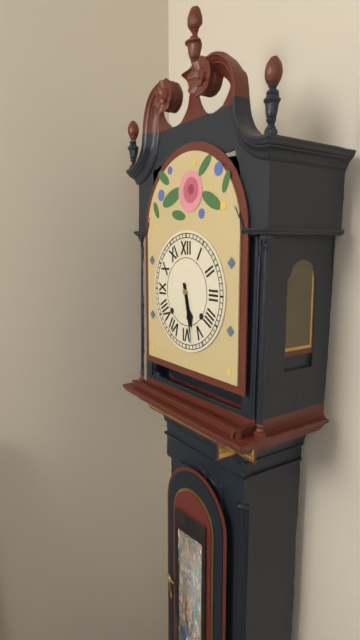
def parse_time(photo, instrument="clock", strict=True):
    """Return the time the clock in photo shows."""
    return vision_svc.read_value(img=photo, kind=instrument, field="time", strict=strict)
5:28
